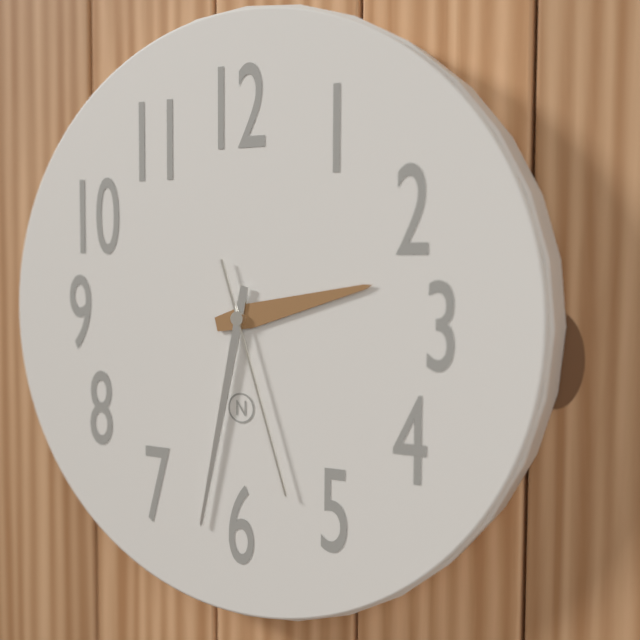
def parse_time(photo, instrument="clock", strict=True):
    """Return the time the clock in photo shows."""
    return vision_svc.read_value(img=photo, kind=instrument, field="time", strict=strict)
2:32:27
